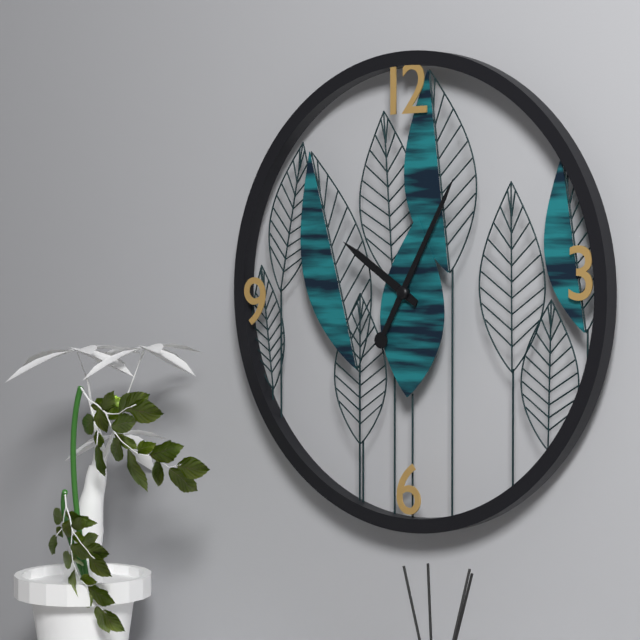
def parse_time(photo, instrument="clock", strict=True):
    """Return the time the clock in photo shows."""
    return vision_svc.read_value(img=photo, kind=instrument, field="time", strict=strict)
10:05
